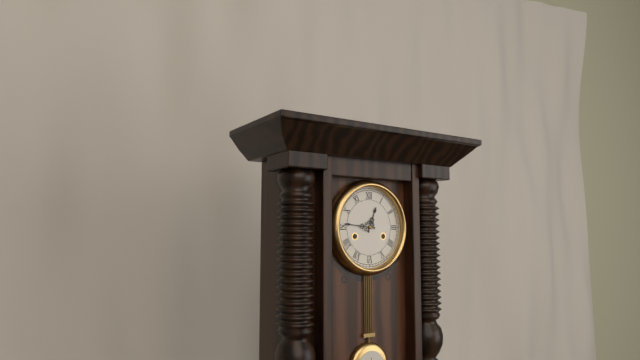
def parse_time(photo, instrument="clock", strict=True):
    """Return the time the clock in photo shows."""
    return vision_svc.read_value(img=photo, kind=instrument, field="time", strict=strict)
12:46
